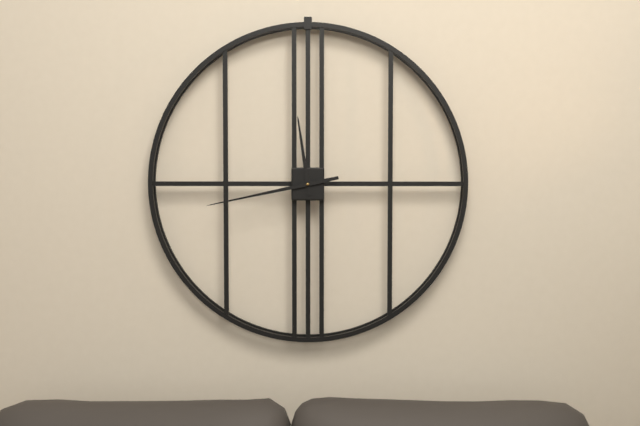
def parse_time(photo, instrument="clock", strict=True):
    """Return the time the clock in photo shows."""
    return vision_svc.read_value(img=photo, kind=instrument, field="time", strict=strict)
11:43
